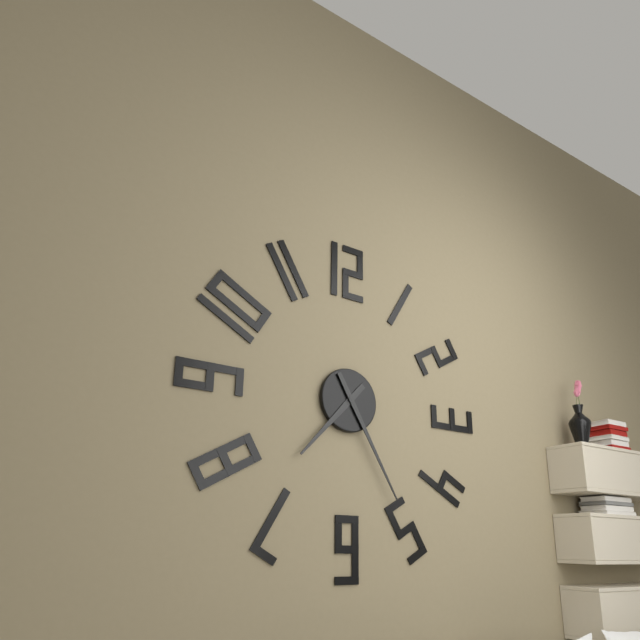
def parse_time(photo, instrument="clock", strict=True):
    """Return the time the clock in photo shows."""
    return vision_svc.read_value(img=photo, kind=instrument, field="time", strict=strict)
7:25
